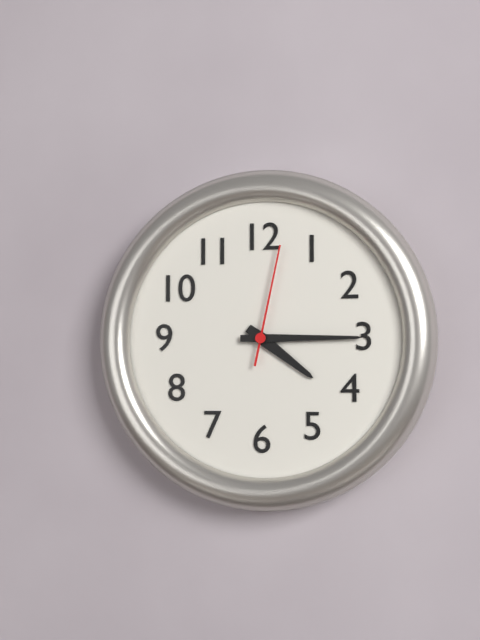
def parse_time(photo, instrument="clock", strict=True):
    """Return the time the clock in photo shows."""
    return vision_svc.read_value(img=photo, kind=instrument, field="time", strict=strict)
4:15:02
